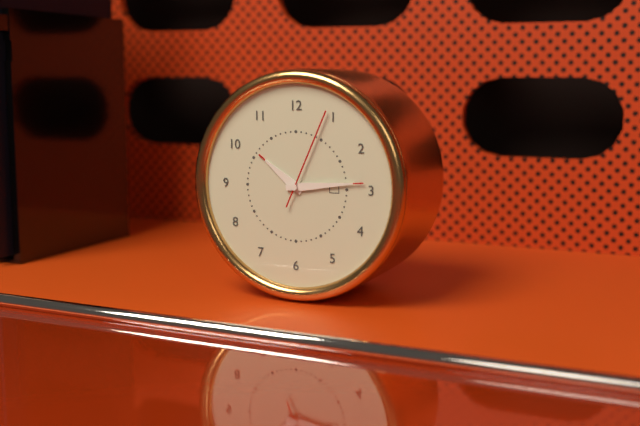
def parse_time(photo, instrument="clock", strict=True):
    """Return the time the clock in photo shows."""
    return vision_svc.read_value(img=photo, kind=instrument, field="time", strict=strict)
10:14:04
